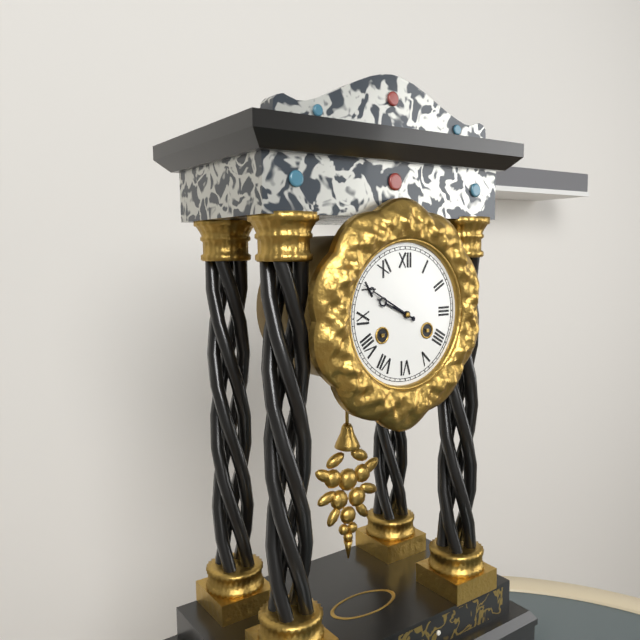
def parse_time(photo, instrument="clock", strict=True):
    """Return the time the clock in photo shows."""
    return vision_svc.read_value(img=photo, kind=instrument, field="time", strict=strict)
9:50
